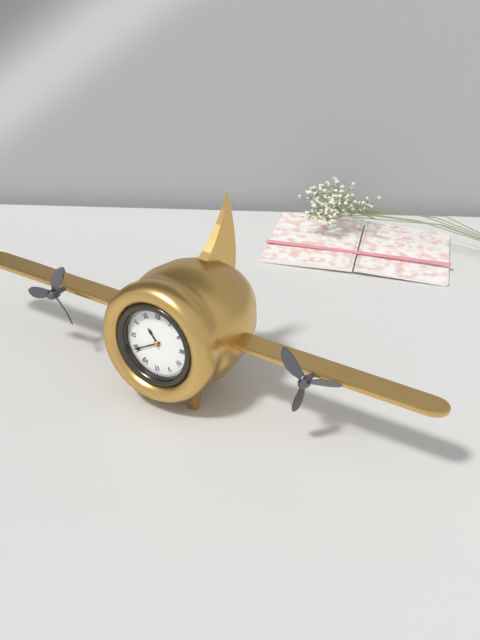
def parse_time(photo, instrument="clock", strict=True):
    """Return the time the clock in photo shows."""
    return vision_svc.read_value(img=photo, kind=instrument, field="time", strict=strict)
10:40
